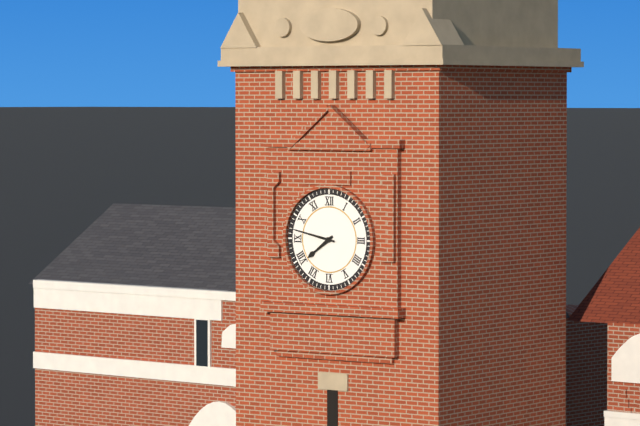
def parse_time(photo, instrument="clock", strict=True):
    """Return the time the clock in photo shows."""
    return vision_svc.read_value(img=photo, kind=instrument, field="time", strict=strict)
7:47
